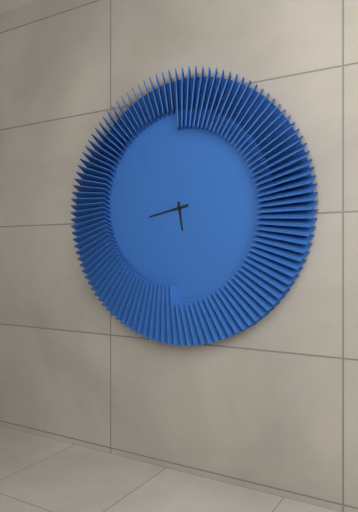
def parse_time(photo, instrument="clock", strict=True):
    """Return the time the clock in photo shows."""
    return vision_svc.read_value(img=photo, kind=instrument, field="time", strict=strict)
5:43
